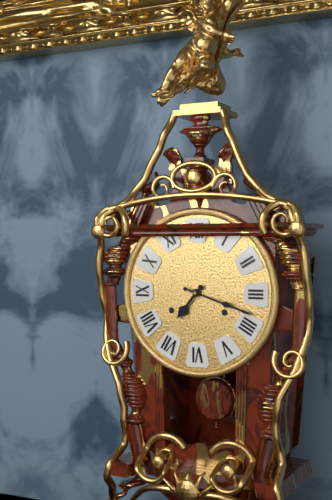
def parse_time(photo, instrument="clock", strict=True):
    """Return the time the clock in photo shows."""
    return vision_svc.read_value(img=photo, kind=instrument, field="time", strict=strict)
7:18
